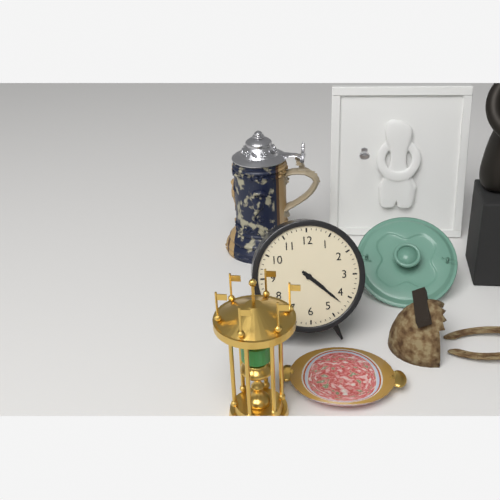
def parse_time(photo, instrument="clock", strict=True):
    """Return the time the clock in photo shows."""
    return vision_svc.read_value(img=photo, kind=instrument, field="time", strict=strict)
4:22
